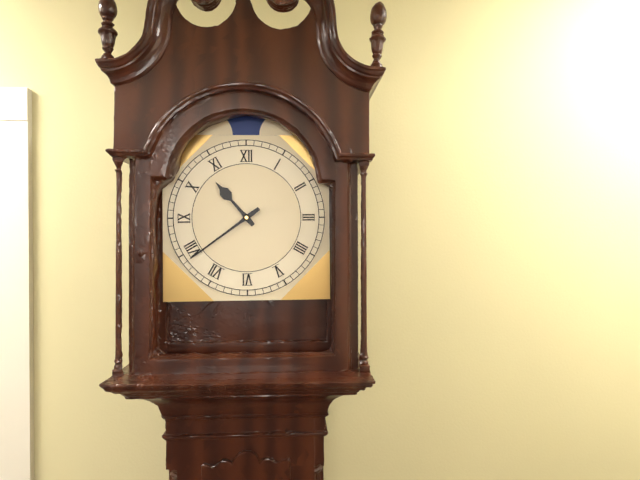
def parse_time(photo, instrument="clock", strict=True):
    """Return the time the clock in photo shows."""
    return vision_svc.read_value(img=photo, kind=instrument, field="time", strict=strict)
10:39
